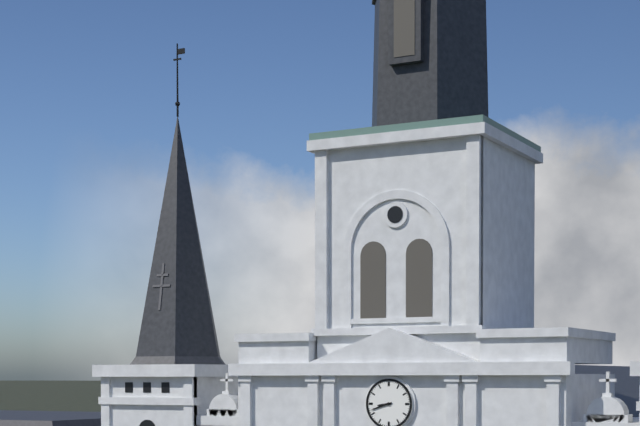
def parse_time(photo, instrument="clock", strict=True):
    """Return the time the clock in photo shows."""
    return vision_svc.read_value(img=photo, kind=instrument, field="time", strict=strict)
8:42
